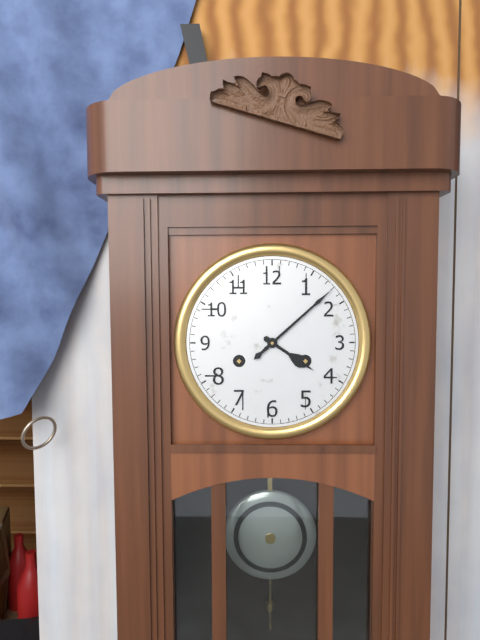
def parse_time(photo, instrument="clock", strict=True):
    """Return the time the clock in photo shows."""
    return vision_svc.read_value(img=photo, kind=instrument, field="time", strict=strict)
4:08
